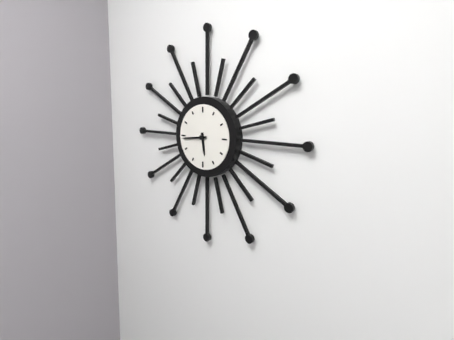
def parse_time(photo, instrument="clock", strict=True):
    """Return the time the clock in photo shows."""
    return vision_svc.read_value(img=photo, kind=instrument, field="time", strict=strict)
5:44
